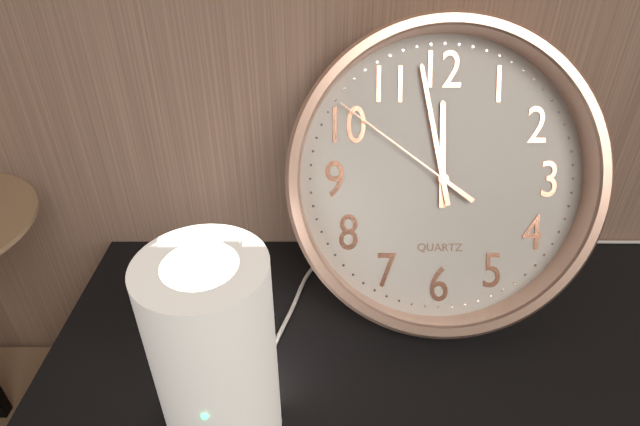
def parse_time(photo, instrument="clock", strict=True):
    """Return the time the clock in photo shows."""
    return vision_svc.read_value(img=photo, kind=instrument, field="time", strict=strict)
11:58:51
